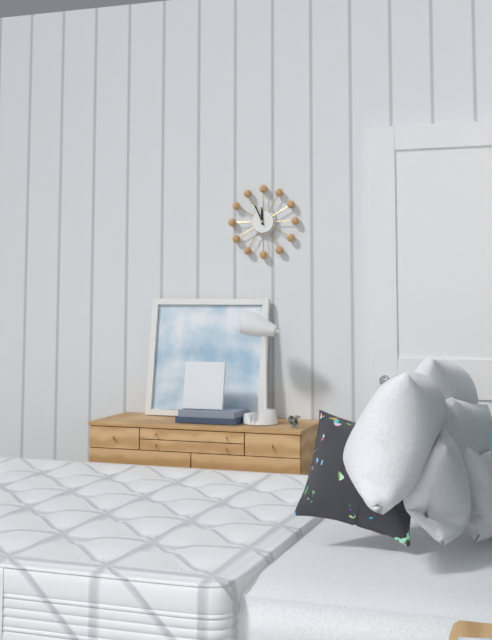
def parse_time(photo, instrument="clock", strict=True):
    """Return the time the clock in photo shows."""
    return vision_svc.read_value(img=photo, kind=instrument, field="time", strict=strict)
11:56
